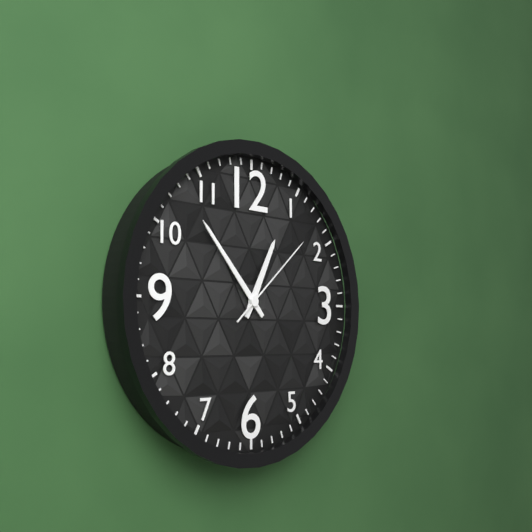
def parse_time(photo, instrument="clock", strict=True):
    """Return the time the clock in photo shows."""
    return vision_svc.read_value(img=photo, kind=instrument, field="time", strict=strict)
12:53:08
